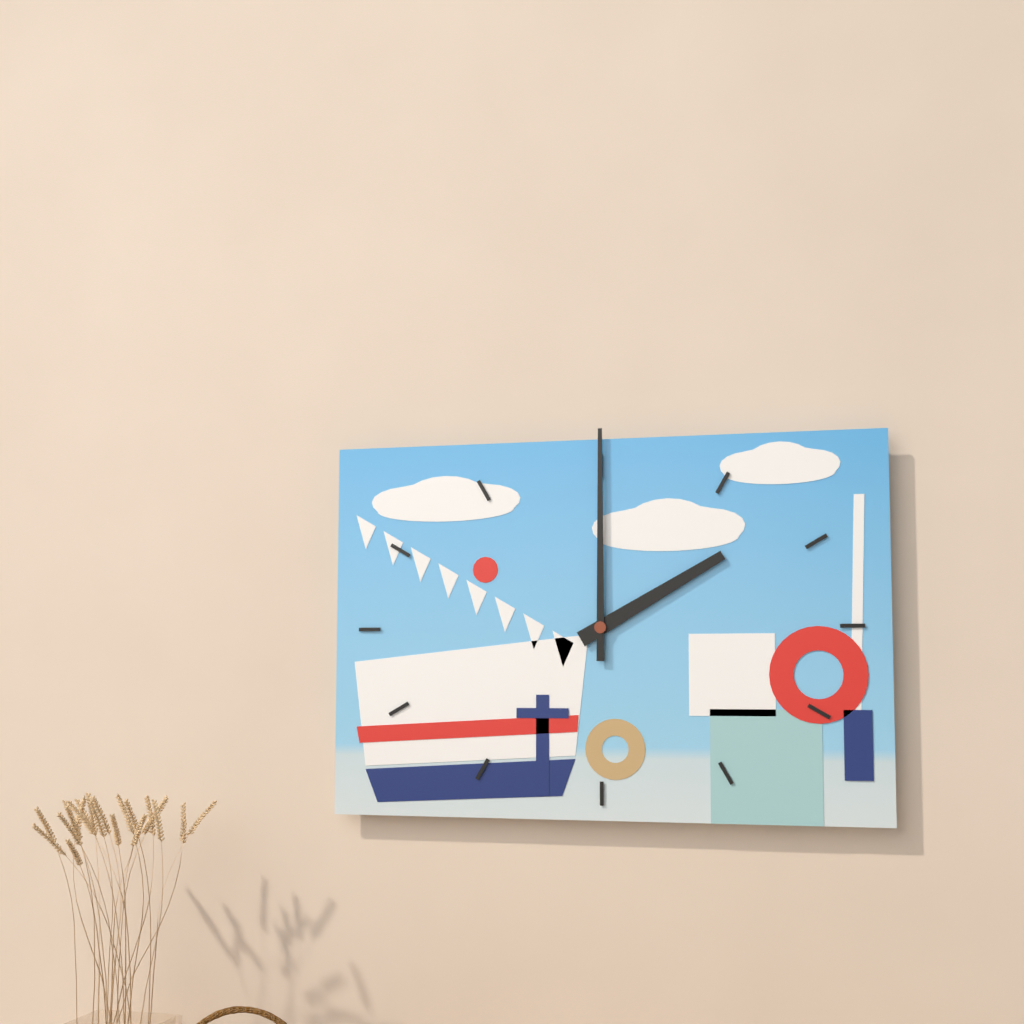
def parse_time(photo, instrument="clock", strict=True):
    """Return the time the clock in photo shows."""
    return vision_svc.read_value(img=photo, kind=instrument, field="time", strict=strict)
2:00
